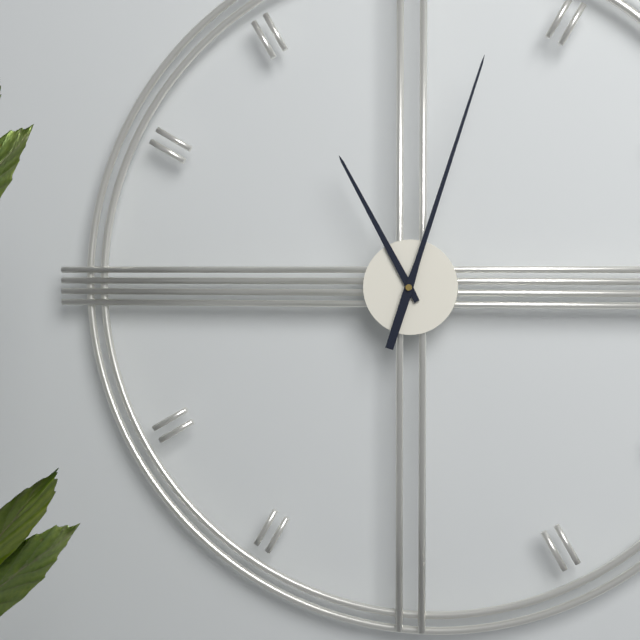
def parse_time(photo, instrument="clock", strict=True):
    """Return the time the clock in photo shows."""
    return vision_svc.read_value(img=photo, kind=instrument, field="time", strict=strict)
11:03
